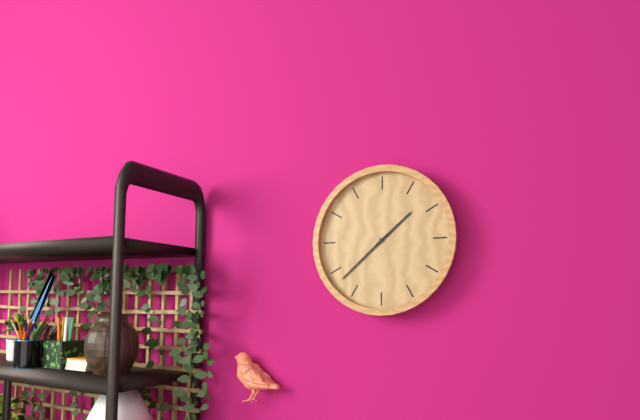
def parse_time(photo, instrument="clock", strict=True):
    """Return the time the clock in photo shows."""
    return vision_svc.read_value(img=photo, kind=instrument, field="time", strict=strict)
1:38
